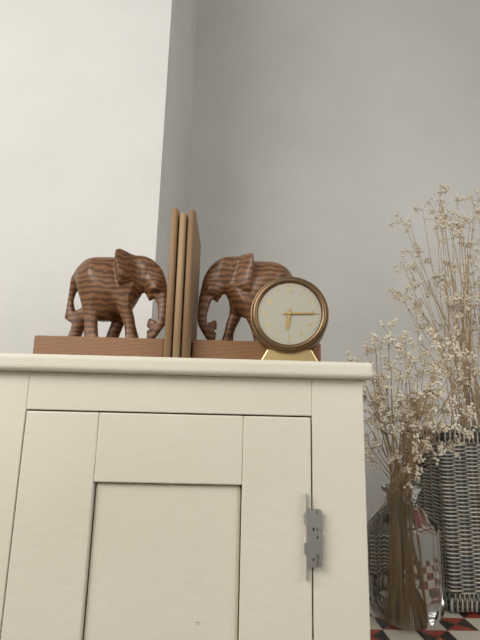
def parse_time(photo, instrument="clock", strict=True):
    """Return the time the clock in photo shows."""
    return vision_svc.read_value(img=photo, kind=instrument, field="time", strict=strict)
6:15
